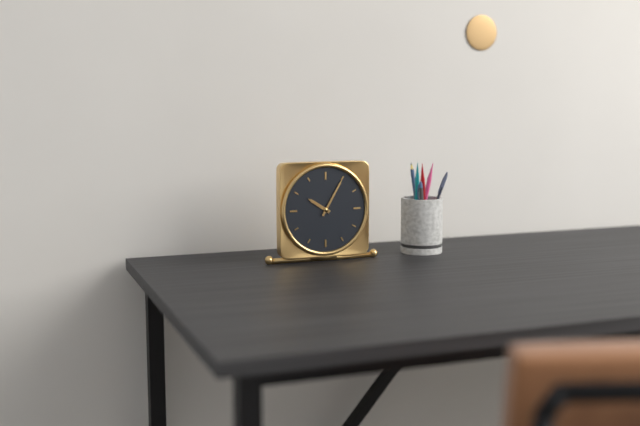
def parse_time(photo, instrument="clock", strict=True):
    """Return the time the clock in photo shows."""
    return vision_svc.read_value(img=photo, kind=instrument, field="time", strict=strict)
10:05
